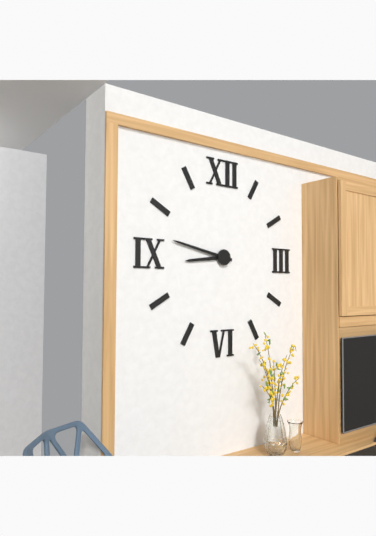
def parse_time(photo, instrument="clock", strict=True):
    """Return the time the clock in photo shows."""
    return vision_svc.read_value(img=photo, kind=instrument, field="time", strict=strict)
8:47
